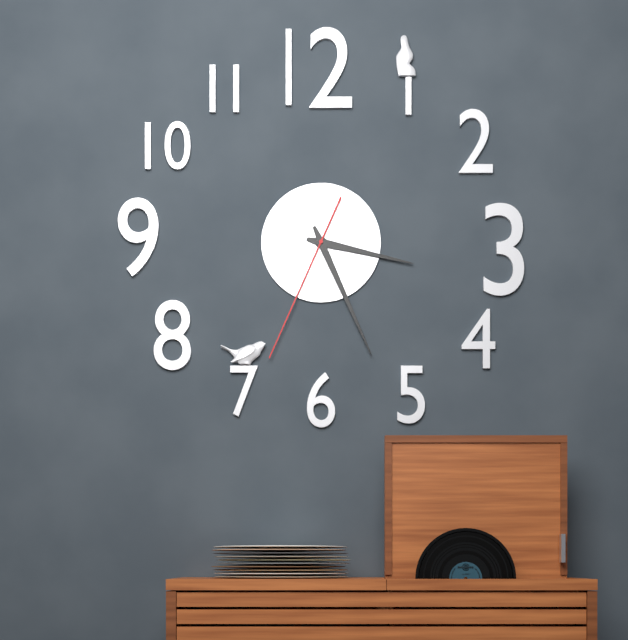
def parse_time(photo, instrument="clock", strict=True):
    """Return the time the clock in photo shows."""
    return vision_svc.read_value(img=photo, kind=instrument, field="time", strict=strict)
3:26:34
